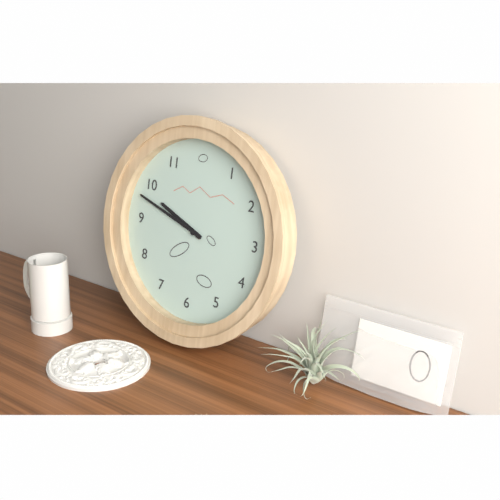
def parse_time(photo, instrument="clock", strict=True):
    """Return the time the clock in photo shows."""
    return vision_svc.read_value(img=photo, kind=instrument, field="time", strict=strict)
9:48
